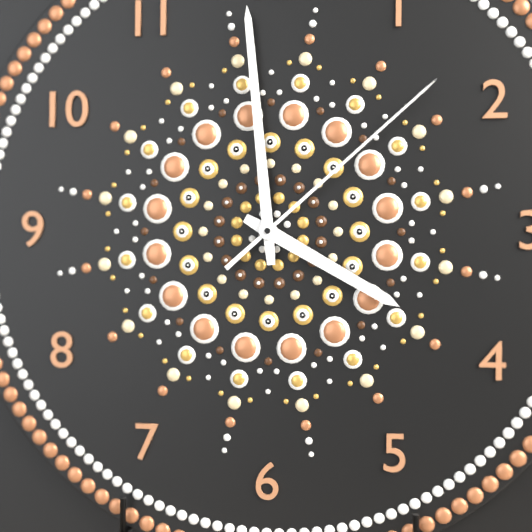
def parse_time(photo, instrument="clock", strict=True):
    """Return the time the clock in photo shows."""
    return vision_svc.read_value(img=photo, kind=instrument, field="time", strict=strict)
3:59:08
